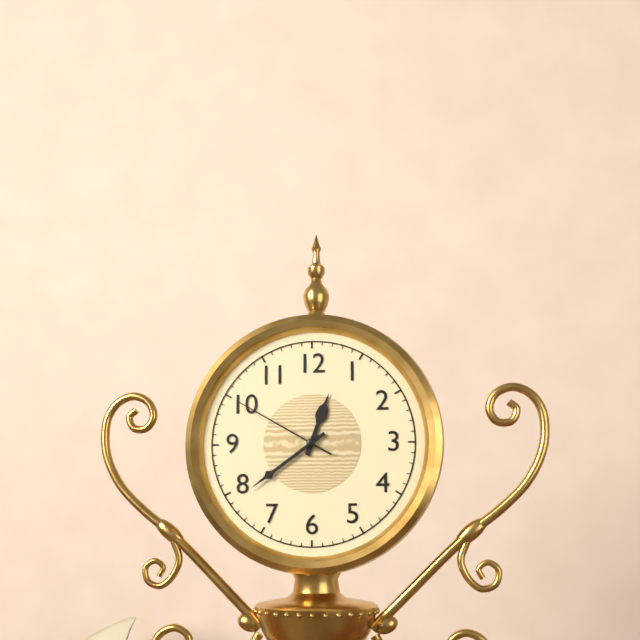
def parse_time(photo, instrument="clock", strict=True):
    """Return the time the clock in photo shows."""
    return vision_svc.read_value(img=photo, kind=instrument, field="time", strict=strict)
12:39:50
